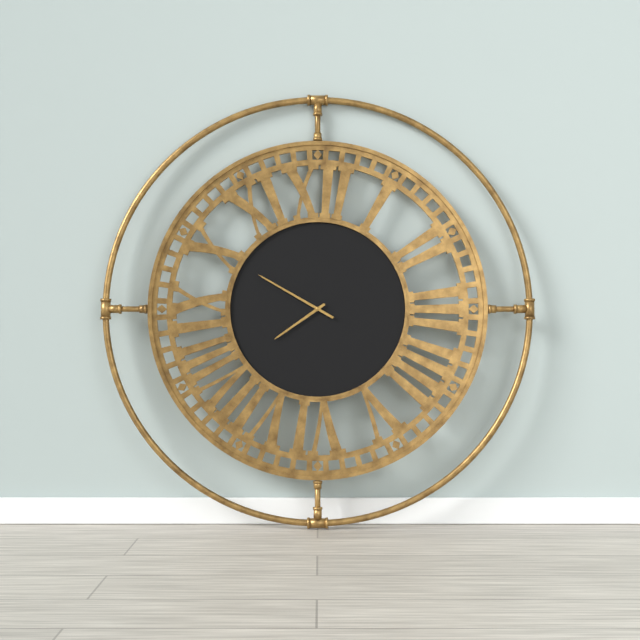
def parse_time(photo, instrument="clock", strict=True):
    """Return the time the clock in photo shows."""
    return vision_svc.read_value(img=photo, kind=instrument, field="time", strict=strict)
7:50
